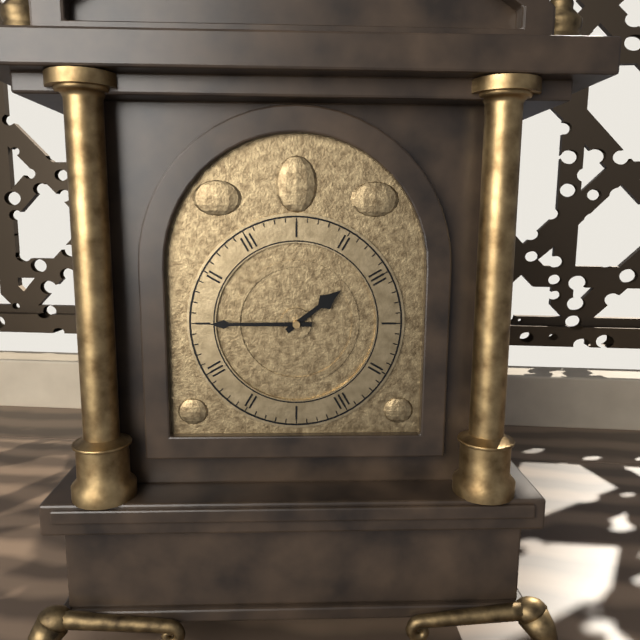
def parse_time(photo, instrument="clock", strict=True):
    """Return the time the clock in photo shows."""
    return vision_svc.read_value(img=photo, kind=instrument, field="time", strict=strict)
1:45
